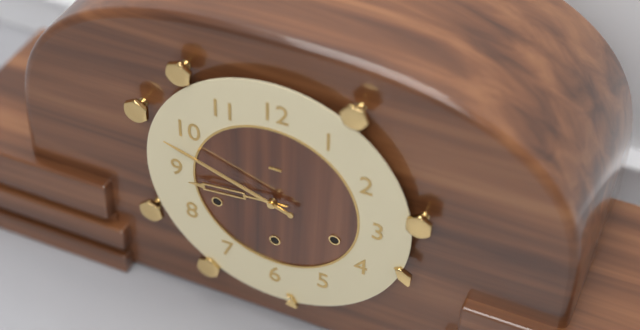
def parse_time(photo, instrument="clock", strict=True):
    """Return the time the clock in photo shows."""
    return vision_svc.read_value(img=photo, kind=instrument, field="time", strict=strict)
8:48
